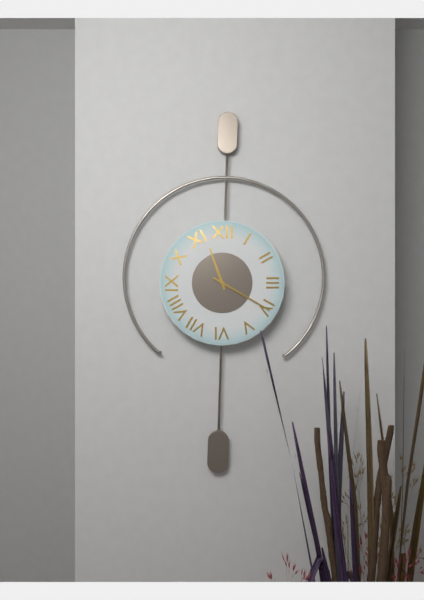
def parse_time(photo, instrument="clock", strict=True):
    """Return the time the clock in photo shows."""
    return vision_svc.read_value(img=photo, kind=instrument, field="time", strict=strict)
11:20
